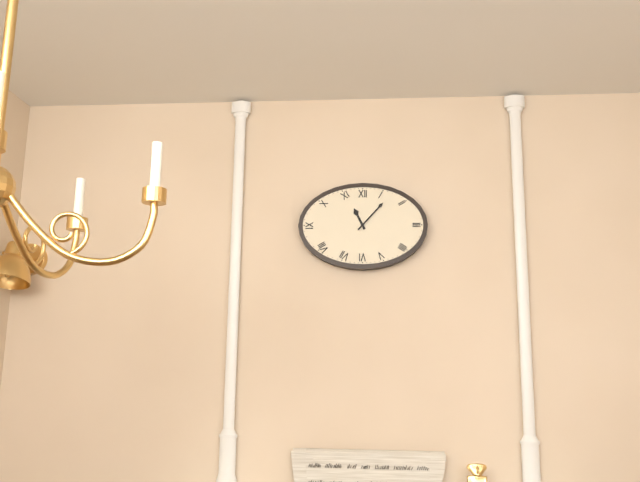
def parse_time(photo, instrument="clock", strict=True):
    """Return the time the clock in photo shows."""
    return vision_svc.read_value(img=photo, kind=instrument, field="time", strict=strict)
11:07
